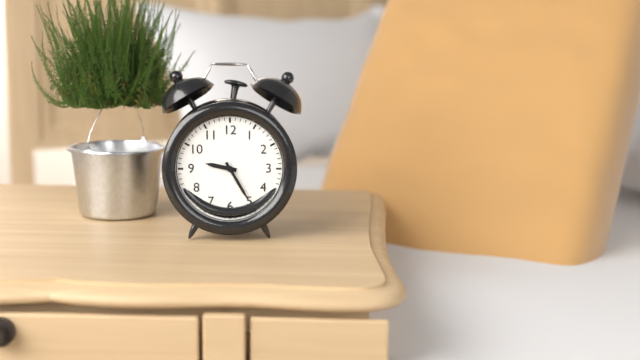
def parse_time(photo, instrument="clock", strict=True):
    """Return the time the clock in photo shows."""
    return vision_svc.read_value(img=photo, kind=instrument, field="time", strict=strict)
9:25
